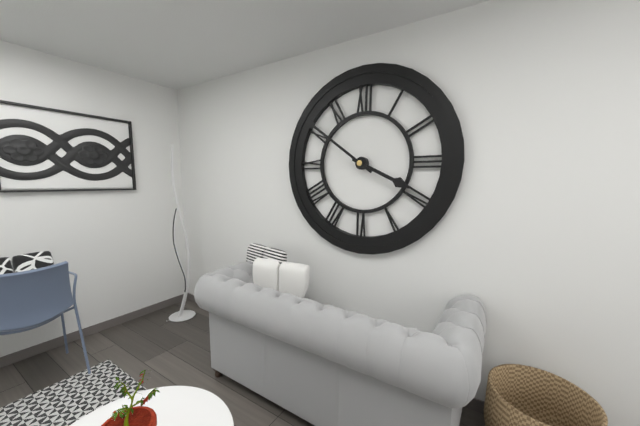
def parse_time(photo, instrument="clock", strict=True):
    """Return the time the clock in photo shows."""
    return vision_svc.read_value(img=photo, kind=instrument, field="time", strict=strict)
3:51
